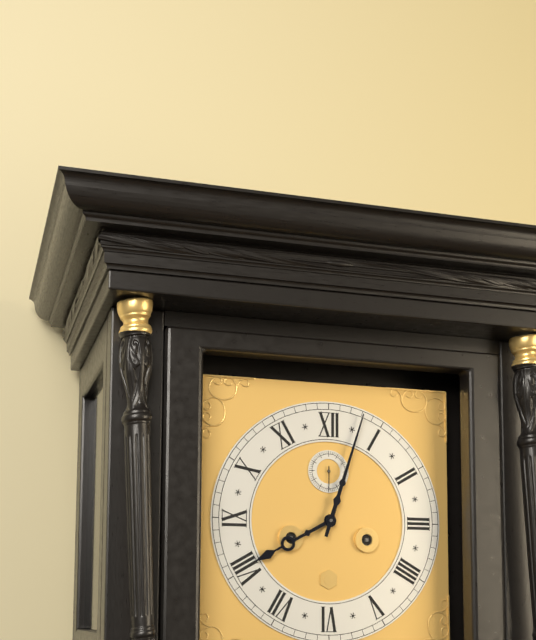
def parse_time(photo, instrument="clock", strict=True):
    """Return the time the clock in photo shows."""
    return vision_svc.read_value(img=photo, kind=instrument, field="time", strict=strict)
8:03
